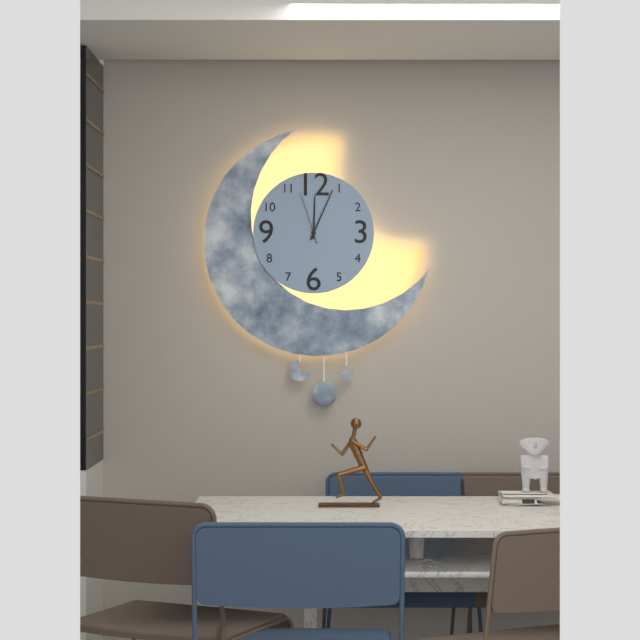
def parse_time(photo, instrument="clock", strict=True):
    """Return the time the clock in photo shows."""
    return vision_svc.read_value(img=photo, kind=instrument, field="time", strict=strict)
12:04:57
